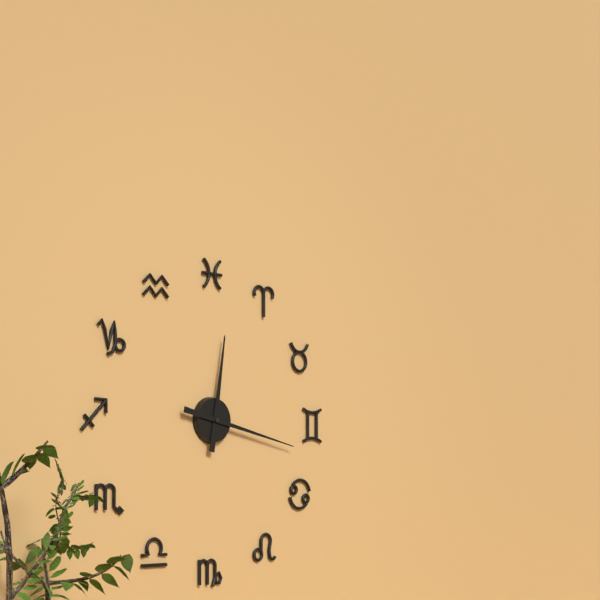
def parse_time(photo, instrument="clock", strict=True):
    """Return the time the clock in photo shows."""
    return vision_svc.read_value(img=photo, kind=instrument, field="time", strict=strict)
12:17
